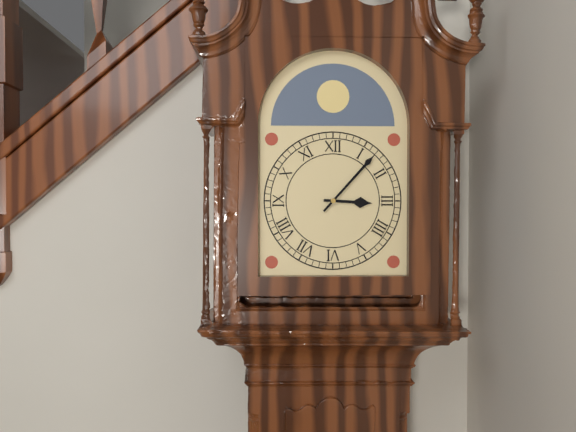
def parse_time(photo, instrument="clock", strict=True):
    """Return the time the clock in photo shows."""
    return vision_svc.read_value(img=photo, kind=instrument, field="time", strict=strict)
3:07
